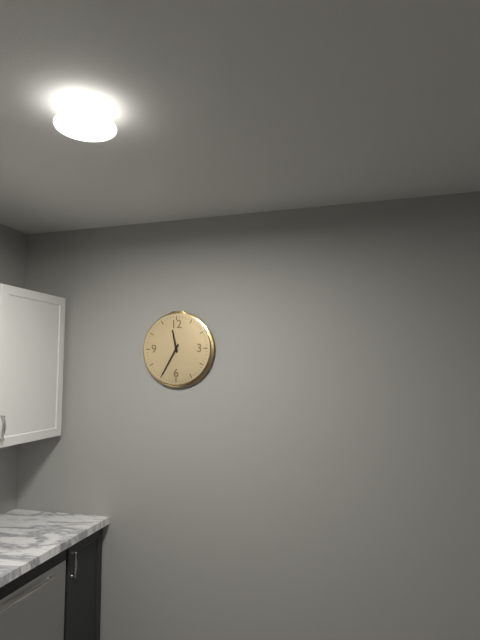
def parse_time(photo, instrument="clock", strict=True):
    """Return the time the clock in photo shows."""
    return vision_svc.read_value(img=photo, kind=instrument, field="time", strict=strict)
11:35
